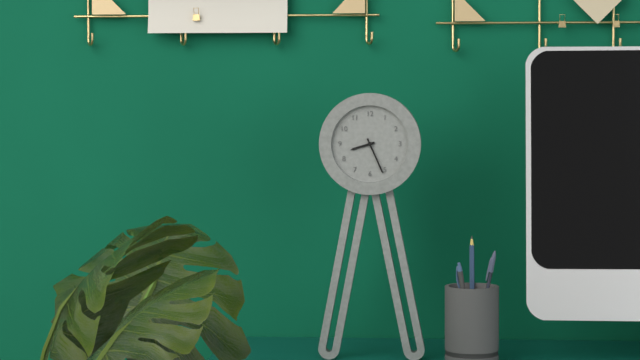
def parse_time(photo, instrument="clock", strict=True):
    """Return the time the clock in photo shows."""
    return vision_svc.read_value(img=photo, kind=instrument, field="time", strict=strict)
8:26
